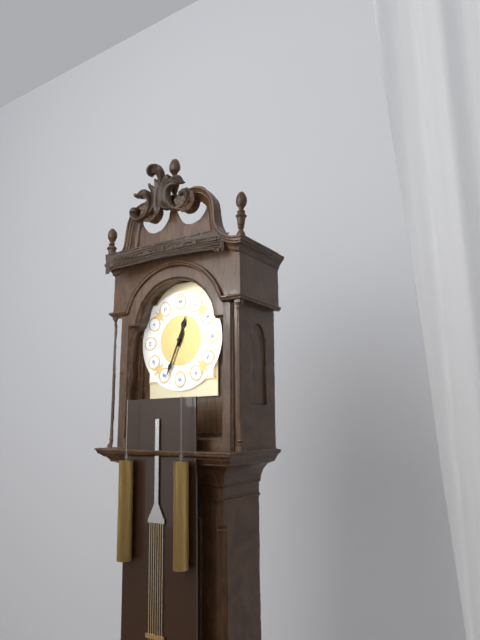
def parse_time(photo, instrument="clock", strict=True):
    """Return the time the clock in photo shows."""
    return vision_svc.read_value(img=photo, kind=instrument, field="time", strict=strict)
12:34
